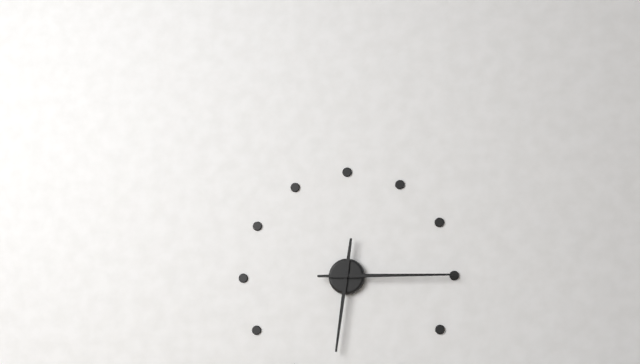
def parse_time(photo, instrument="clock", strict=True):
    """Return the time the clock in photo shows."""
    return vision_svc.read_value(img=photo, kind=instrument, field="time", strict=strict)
6:15
